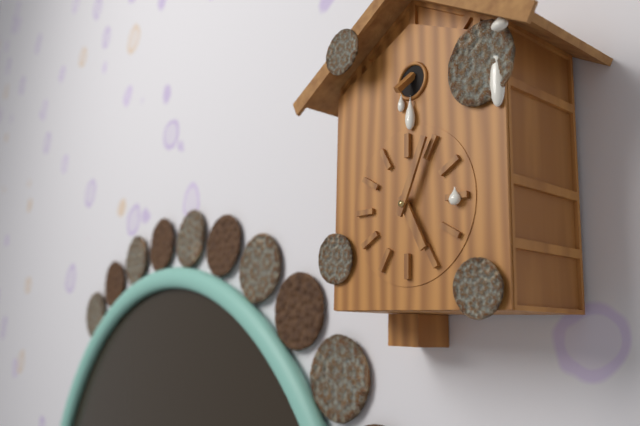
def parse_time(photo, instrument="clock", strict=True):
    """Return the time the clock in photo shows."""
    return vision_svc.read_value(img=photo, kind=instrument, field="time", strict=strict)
5:04
